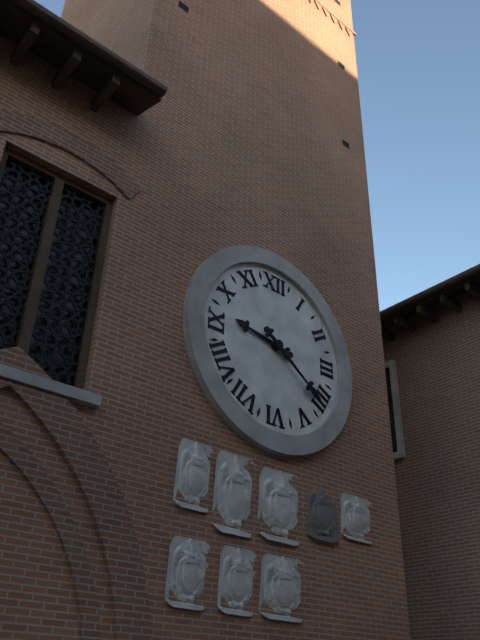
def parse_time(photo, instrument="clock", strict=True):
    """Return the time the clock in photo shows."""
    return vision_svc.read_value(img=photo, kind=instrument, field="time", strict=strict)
9:21
